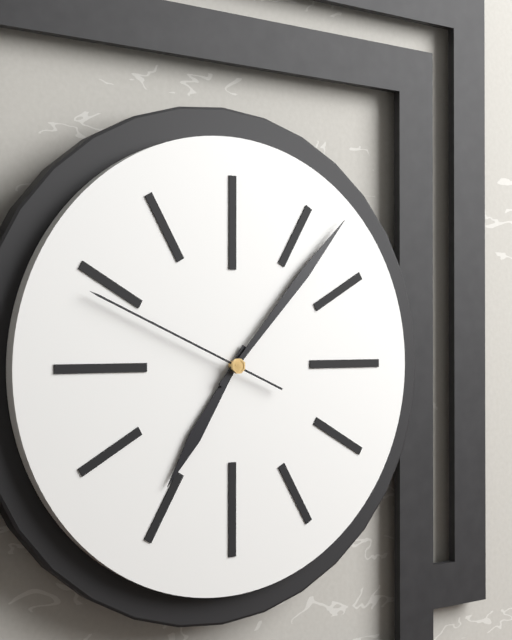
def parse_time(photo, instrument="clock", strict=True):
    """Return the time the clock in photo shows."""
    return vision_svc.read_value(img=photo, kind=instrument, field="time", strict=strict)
7:07:49
